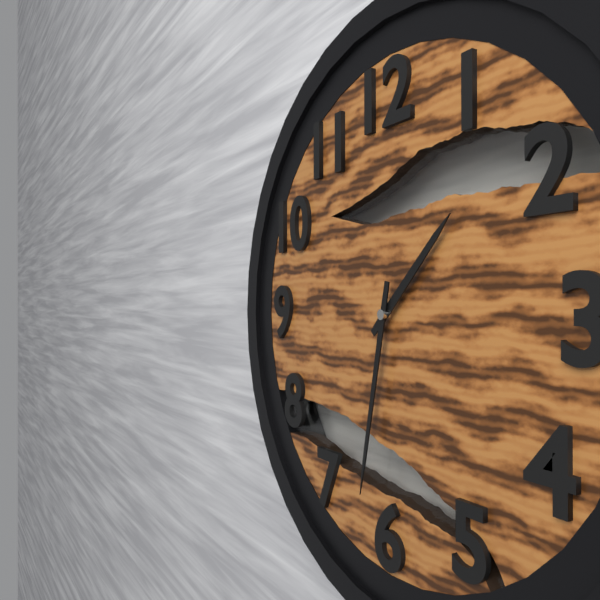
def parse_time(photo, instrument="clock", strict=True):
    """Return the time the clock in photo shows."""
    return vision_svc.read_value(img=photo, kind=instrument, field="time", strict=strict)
1:32
